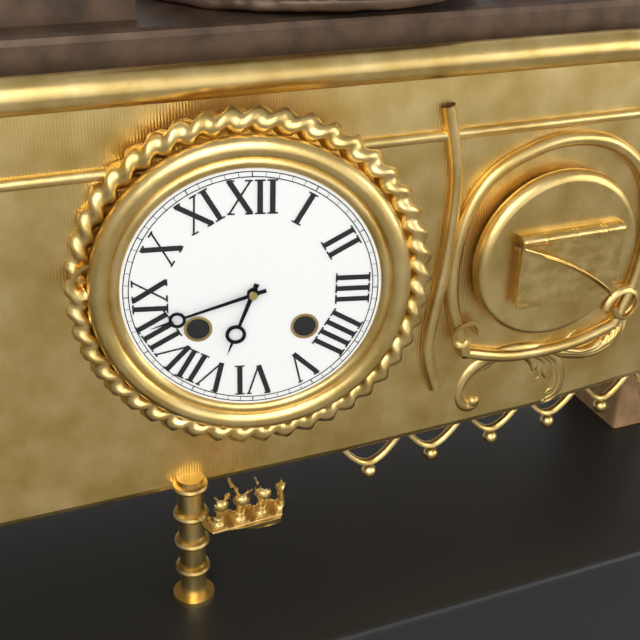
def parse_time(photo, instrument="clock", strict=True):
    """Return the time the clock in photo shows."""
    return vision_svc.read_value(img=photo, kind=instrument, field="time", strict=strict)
6:42
